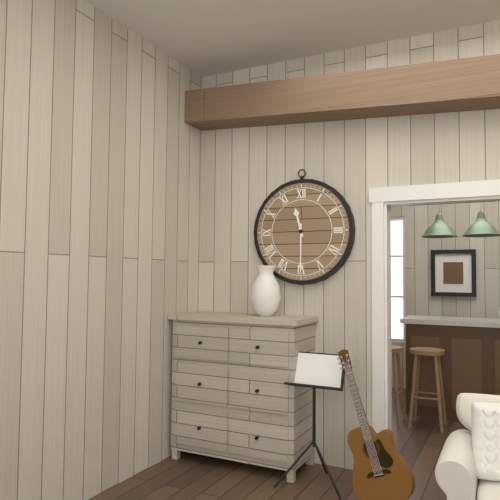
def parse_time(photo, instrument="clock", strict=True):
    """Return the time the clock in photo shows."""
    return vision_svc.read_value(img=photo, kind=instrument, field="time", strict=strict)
11:30
